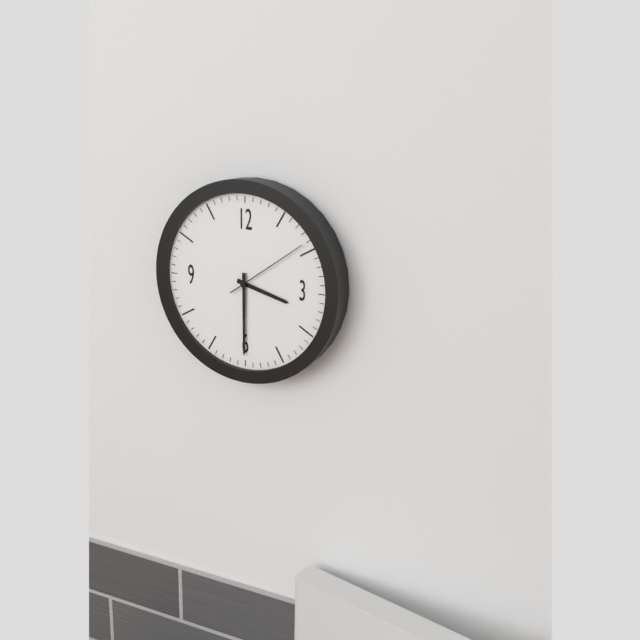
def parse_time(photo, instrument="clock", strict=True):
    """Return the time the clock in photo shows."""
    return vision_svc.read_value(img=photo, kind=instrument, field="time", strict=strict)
3:30:09
